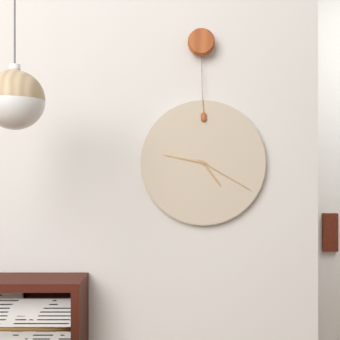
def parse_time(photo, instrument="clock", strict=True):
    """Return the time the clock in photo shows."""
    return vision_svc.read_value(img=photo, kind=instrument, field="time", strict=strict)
4:47:20
